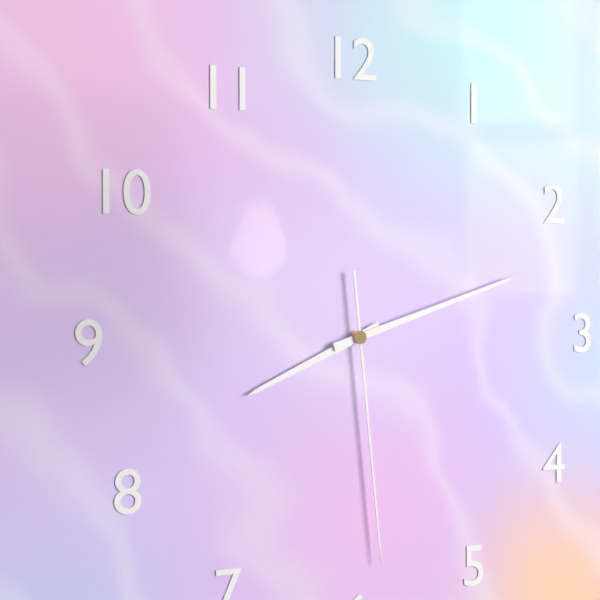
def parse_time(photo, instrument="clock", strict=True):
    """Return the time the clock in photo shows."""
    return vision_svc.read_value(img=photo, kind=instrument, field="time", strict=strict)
8:12:29
